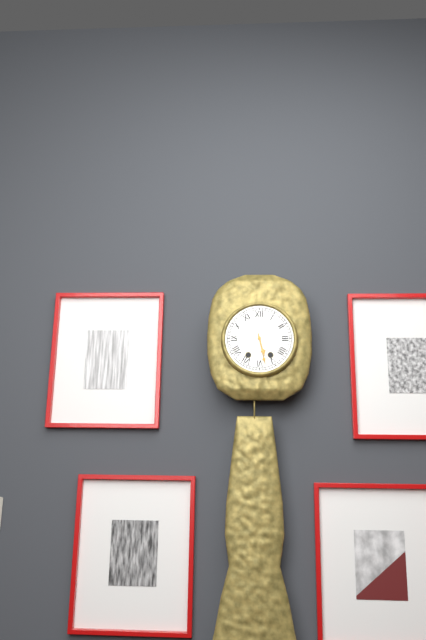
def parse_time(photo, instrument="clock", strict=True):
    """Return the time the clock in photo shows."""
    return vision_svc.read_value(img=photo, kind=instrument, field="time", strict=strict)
5:28
